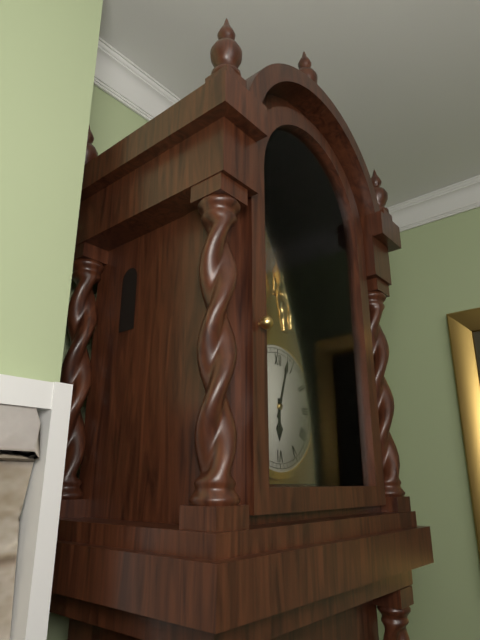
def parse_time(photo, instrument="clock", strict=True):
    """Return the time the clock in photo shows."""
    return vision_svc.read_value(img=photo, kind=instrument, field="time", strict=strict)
6:03
